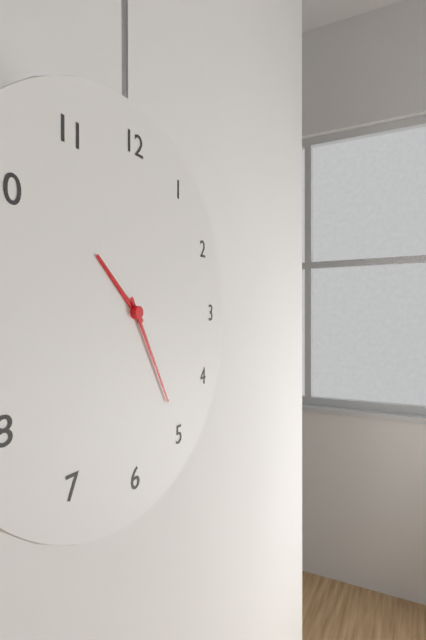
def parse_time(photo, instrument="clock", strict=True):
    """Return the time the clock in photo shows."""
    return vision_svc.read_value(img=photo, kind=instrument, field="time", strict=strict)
10:25
